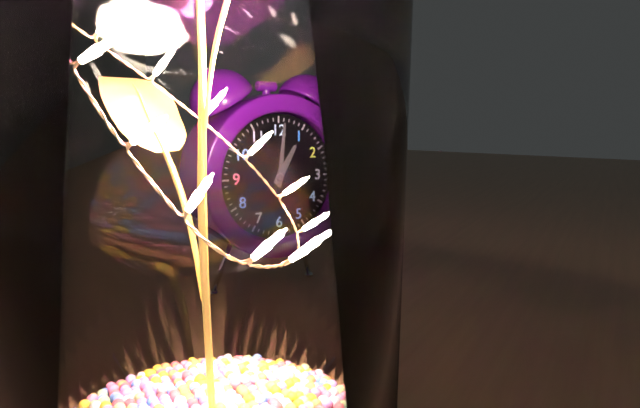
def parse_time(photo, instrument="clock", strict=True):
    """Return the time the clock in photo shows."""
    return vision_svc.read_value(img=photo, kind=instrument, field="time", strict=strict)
1:01
